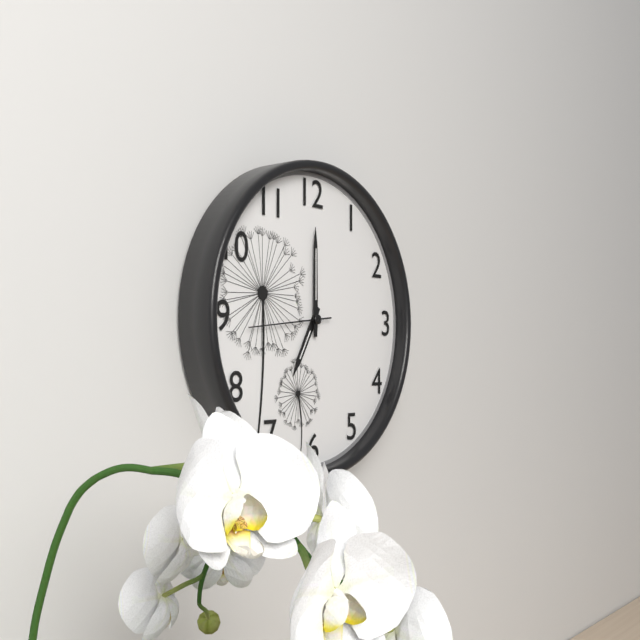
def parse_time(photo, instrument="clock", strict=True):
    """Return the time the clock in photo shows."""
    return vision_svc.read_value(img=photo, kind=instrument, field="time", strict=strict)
7:00:44
